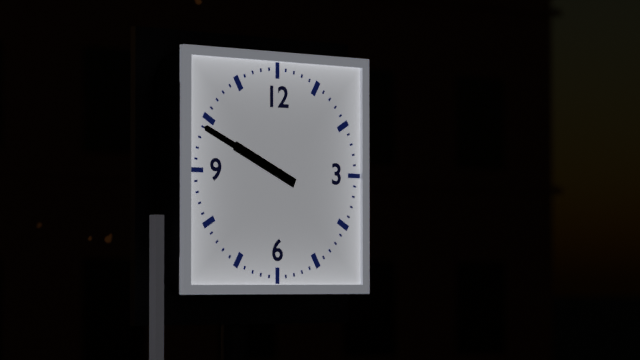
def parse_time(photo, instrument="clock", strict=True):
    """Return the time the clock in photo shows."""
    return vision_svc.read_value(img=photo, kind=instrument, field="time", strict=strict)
9:49
